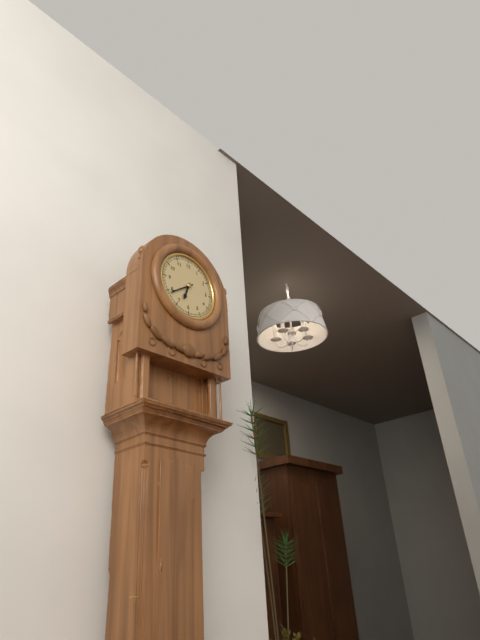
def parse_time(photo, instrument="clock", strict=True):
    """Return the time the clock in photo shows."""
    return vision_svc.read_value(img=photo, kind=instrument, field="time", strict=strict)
6:39
